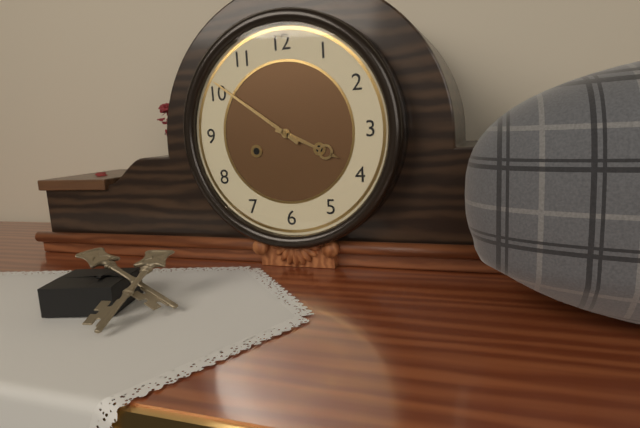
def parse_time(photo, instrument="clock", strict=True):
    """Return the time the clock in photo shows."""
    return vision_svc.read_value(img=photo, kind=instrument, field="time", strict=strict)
3:51
